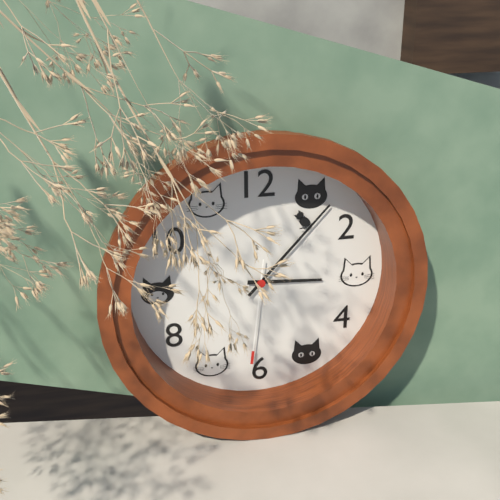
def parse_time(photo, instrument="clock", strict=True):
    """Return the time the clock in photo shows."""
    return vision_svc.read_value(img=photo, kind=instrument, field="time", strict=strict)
3:07:31
